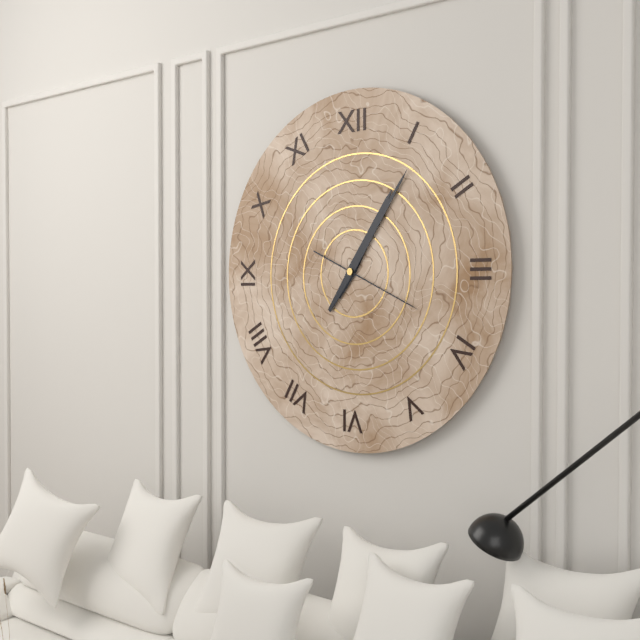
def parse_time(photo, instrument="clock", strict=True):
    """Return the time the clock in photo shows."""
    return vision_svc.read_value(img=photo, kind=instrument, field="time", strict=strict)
1:06:19
